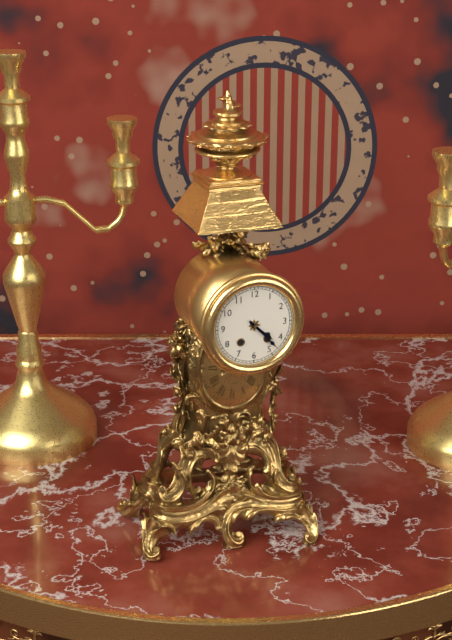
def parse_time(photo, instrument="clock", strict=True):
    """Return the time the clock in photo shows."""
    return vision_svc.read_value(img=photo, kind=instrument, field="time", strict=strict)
4:23
